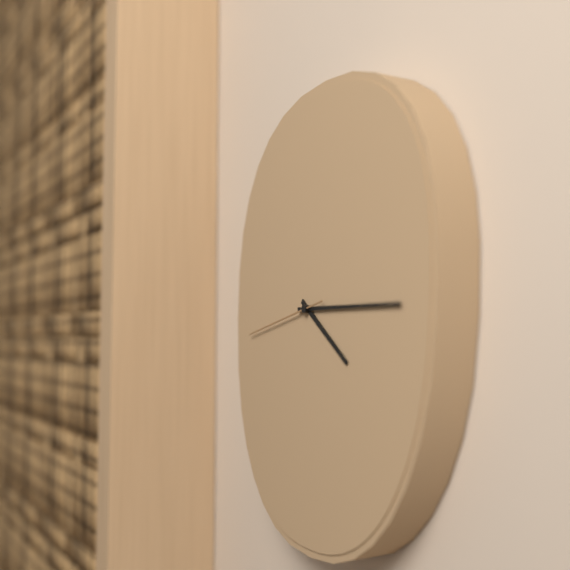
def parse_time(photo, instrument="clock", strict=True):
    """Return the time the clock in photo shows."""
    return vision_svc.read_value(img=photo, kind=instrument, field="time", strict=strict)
4:15:43
